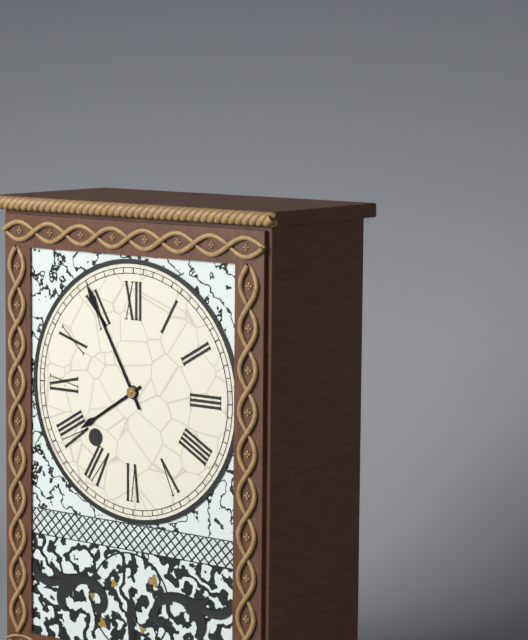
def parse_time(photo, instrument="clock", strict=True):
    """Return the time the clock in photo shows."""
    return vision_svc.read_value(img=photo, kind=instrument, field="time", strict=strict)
7:55
